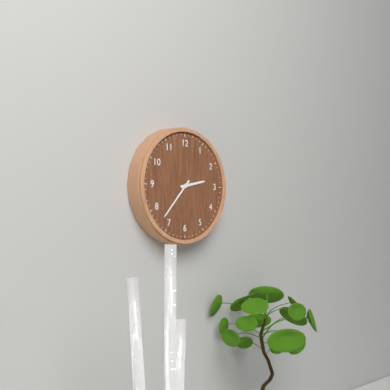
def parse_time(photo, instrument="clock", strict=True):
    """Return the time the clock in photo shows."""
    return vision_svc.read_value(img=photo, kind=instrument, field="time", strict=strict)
2:37
